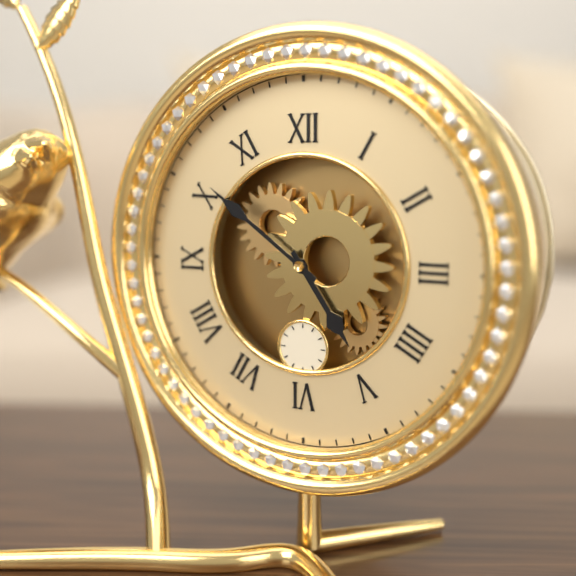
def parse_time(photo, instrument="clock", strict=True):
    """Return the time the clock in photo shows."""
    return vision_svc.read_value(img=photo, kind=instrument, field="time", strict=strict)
4:51
